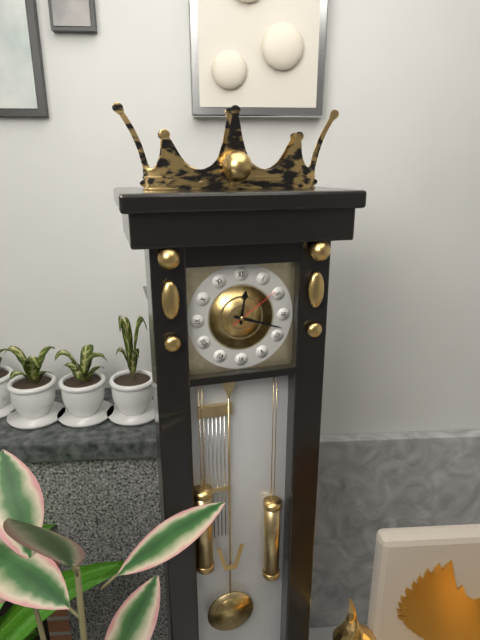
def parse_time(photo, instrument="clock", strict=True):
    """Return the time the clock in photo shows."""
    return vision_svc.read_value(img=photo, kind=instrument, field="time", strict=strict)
12:18:09
